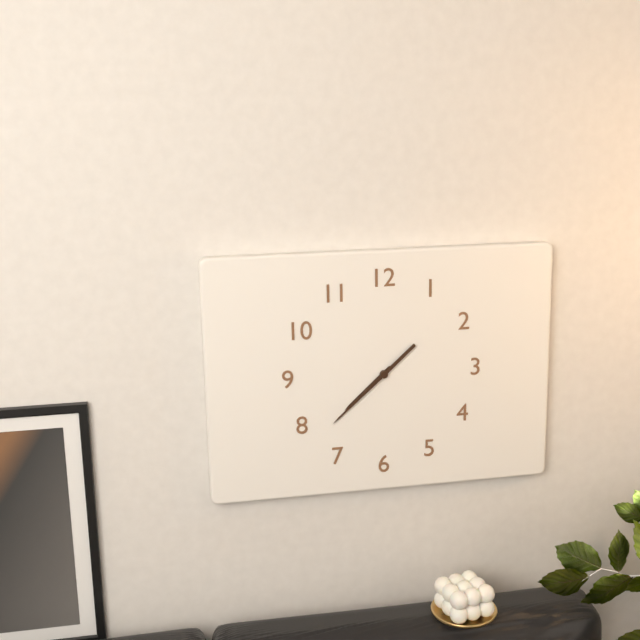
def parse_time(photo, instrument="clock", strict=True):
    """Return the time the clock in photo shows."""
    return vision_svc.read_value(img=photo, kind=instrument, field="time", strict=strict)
7:38
